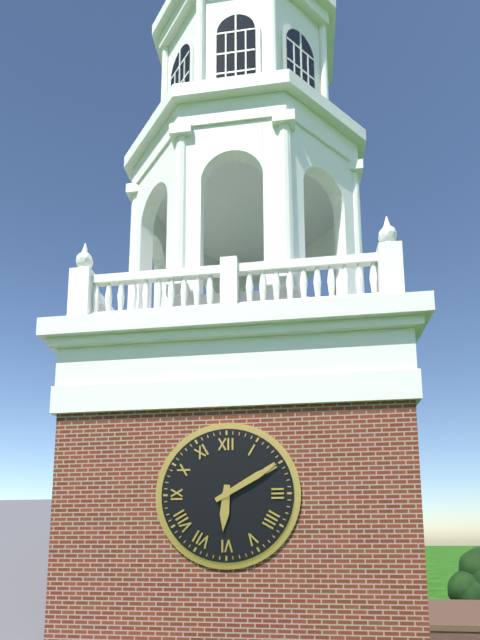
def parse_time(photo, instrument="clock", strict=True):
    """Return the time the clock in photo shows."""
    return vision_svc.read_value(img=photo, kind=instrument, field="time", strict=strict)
6:10
